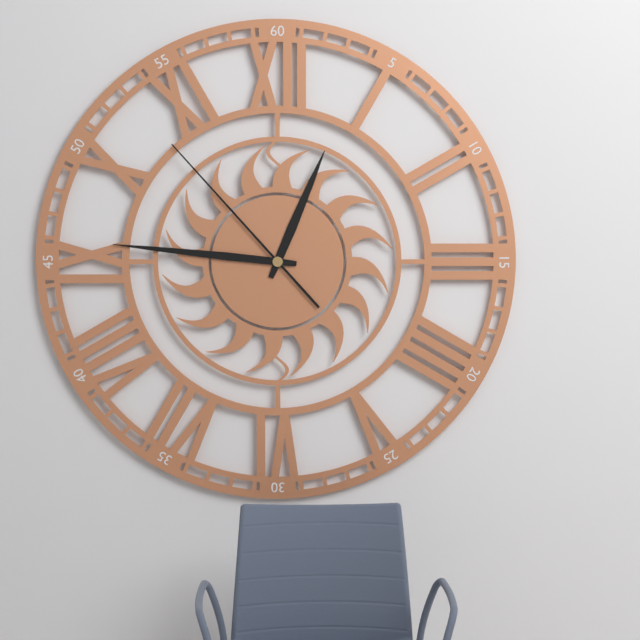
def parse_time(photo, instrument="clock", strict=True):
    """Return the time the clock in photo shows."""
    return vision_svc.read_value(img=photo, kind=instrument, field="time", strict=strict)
12:46:53
